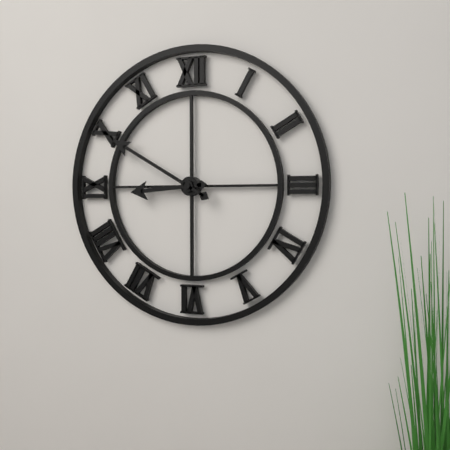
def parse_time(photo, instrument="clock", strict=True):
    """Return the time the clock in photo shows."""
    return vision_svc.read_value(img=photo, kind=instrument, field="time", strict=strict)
8:50
